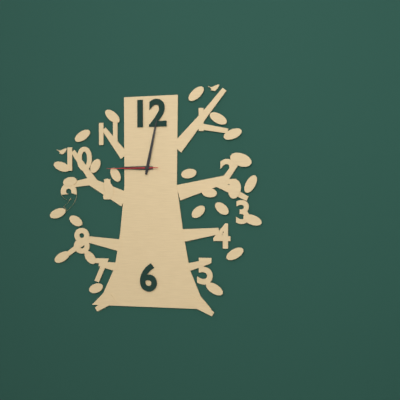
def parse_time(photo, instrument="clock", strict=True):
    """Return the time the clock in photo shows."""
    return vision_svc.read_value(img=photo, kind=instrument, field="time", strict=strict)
9:02:45
